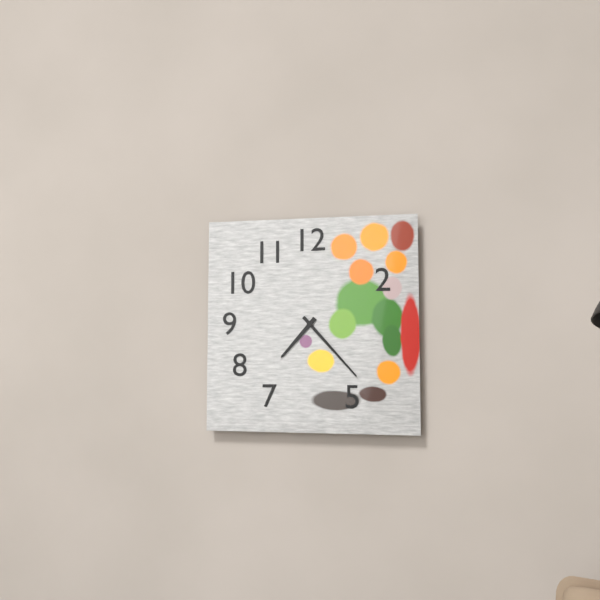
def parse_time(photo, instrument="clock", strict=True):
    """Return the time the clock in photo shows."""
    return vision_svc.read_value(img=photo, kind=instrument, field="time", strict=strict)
7:23
